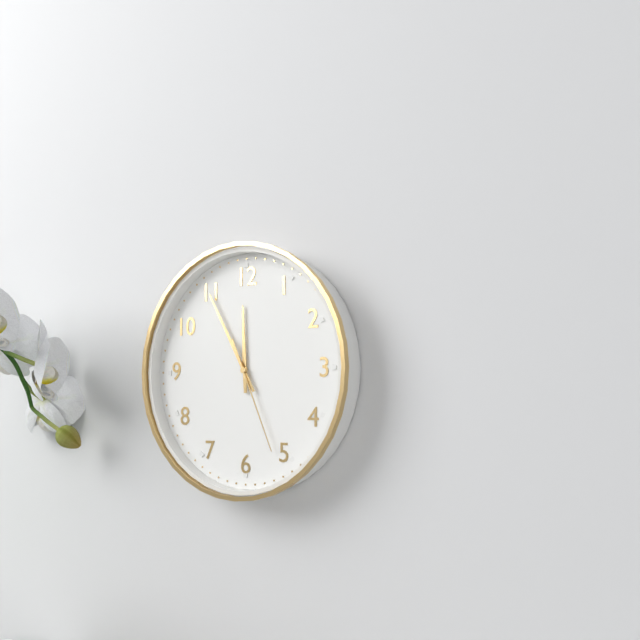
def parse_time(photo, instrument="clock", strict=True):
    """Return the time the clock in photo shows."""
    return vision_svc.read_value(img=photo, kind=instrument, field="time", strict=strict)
11:55:26
